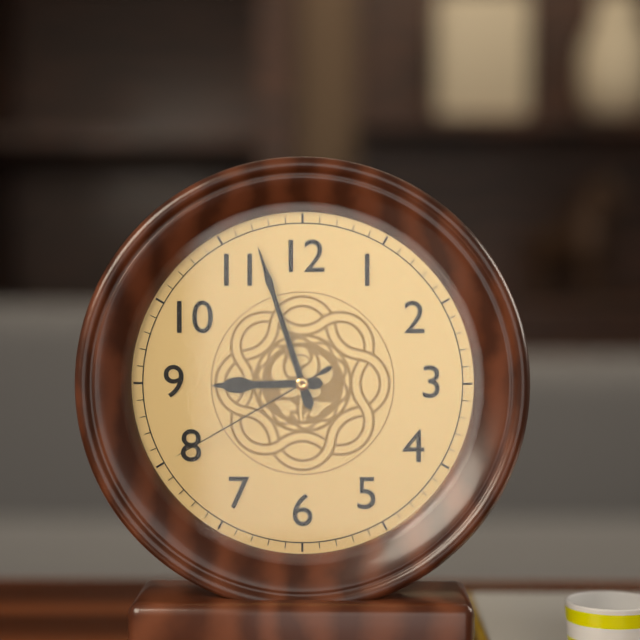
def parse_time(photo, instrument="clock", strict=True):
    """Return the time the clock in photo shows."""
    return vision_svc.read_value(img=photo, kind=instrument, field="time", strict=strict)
8:57:40
